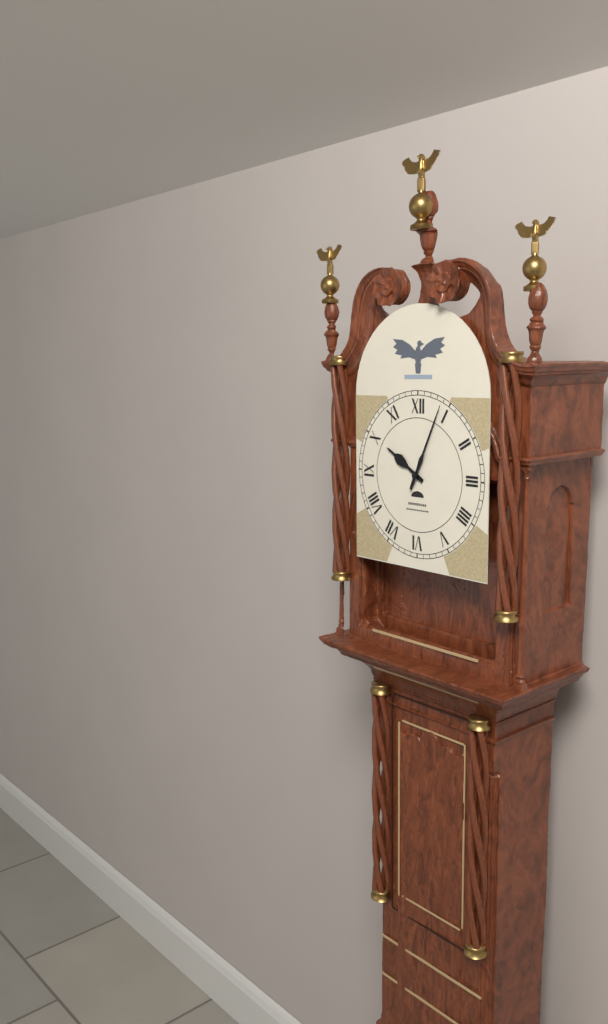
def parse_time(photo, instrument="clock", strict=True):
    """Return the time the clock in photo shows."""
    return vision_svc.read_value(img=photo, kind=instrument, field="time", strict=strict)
10:04
